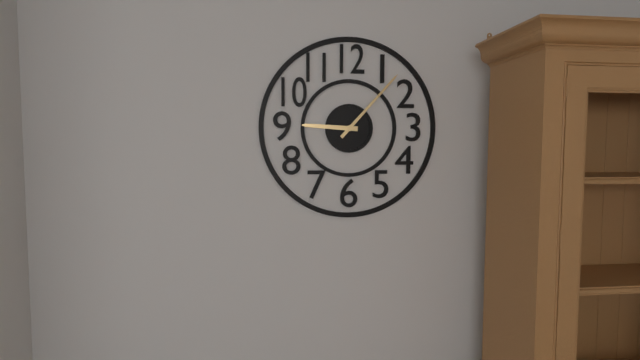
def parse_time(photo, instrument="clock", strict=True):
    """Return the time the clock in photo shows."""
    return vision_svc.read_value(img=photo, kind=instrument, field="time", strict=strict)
9:07
